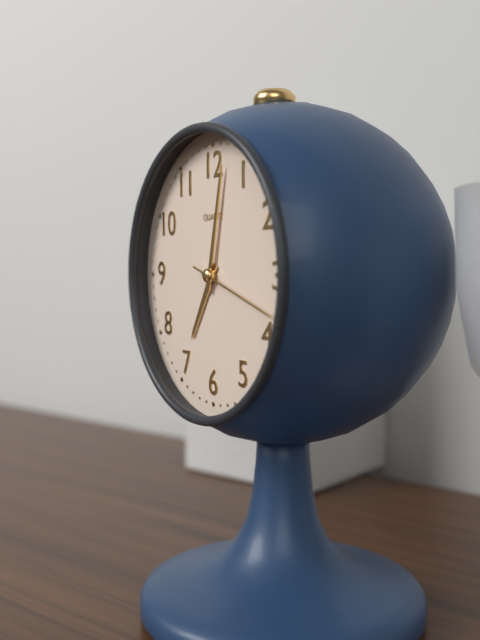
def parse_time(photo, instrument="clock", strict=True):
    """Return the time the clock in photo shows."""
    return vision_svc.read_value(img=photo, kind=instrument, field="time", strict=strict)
7:02:18
